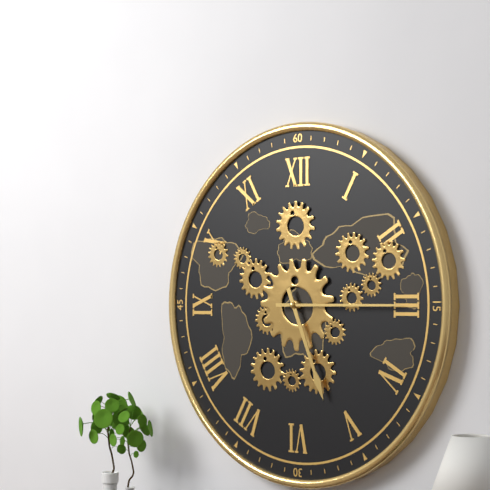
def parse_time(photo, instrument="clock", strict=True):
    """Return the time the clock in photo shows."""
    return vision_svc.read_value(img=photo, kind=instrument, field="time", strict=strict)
5:15
